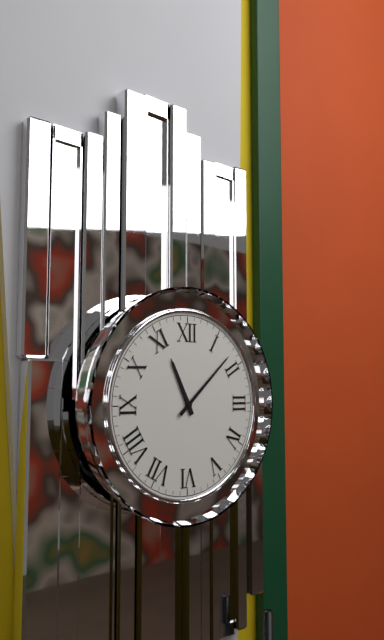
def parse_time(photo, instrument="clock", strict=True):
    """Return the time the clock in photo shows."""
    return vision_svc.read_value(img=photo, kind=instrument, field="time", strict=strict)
11:08
